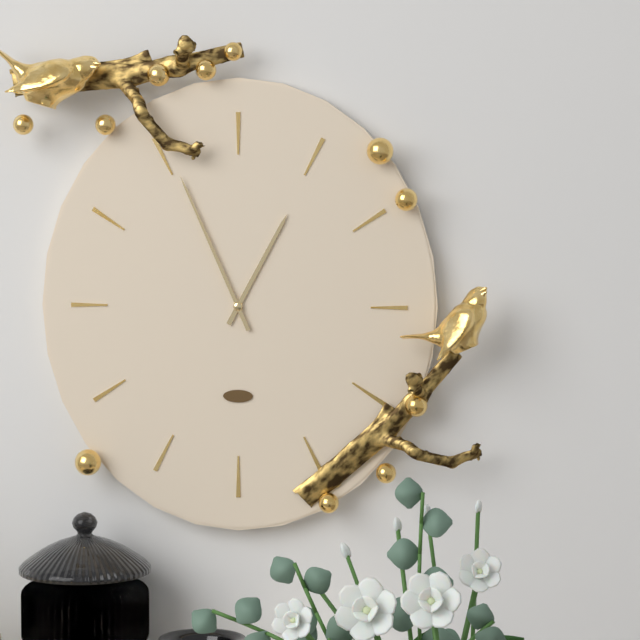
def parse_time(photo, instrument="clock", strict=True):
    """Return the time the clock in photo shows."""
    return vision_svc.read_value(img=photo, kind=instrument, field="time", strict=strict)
12:56
